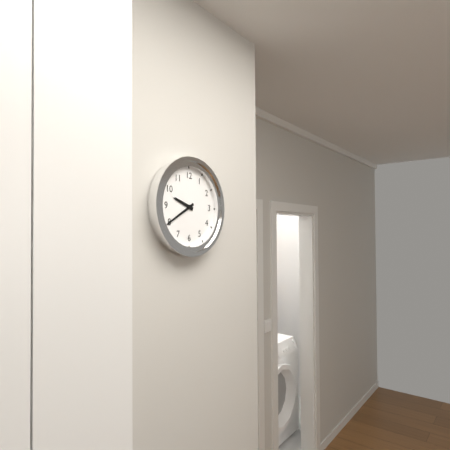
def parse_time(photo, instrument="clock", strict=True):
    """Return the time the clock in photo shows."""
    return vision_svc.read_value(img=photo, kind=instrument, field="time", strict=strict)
9:40
